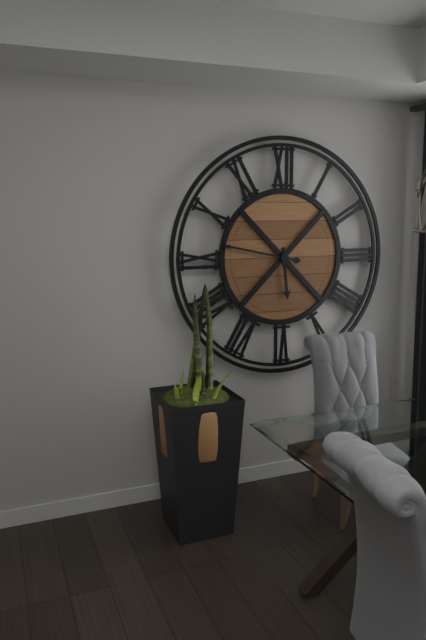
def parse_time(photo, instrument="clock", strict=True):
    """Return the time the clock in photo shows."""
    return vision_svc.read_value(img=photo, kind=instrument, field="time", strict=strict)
5:47
